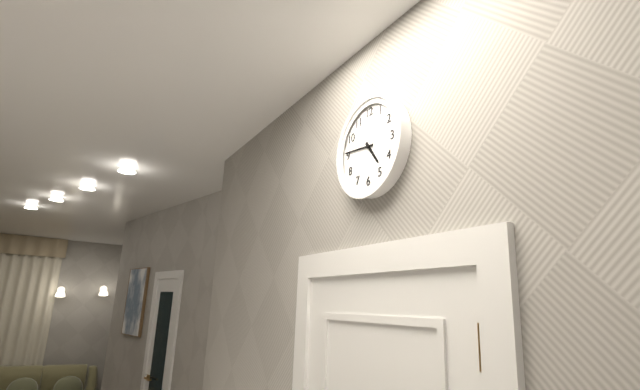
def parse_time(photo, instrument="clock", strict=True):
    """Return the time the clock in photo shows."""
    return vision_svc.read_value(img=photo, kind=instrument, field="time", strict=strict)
4:46
